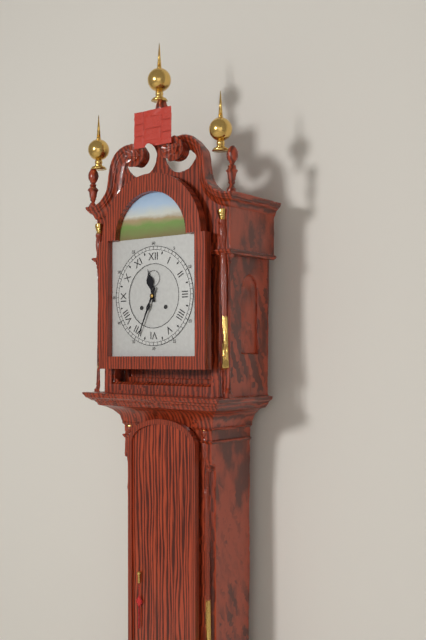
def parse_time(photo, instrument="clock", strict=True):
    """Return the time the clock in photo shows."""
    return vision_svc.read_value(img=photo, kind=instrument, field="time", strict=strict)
11:34
